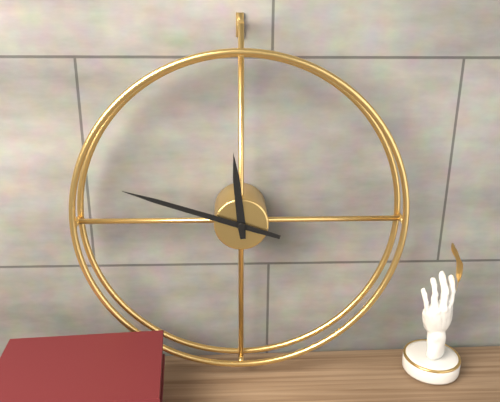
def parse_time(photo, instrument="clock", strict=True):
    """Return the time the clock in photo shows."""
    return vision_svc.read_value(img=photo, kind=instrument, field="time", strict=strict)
11:48
